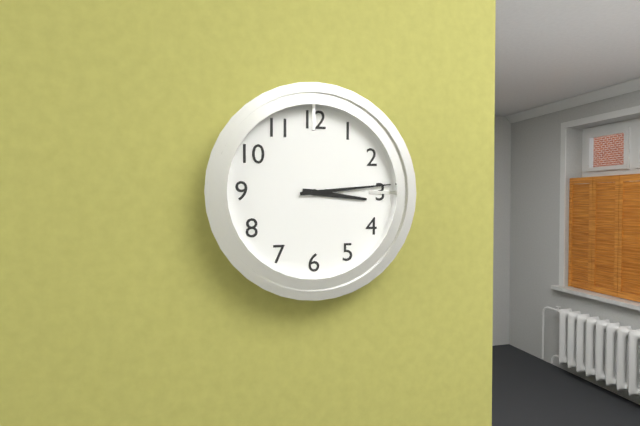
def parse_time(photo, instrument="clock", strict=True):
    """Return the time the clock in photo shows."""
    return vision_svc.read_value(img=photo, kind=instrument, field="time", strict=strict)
3:14
